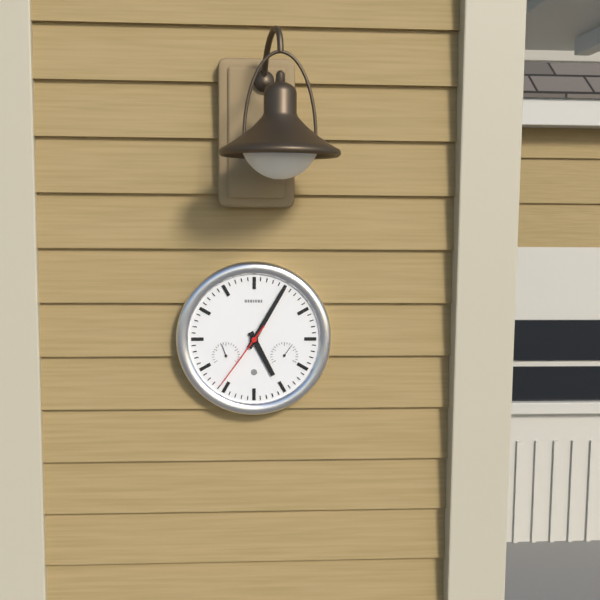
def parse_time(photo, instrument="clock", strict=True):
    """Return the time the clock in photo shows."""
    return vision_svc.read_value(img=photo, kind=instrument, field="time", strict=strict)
5:05:36
